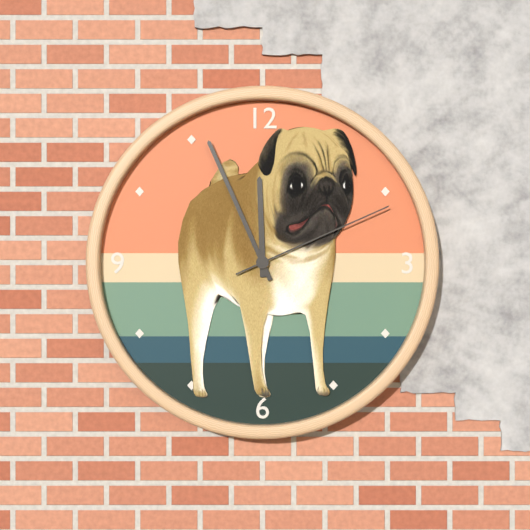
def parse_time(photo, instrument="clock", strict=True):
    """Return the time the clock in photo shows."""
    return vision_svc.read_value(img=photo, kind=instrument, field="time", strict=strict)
11:56:11
